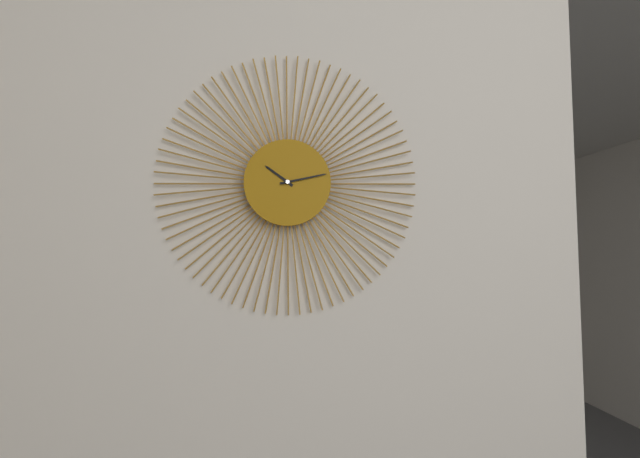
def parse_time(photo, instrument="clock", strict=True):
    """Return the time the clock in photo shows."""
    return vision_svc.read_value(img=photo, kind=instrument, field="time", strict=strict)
10:13
